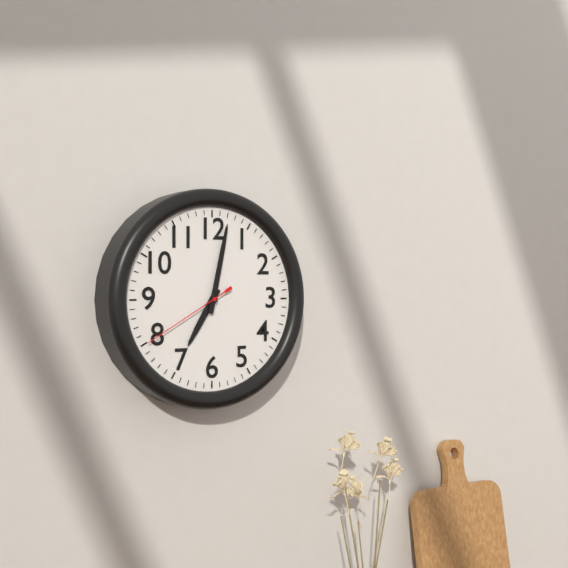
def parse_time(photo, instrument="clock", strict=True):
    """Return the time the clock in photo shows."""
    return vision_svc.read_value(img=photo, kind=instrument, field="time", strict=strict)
7:02:40
